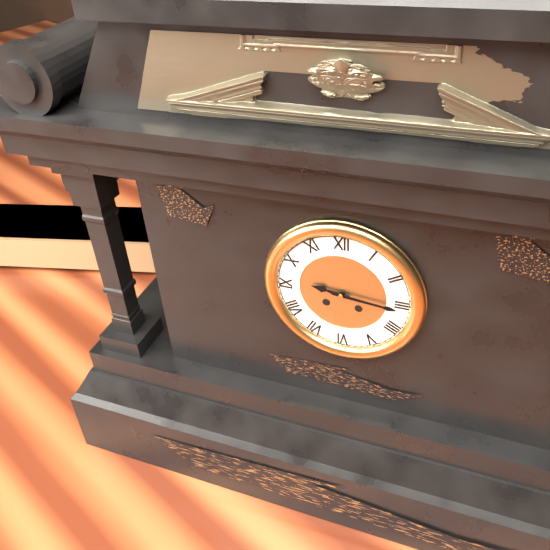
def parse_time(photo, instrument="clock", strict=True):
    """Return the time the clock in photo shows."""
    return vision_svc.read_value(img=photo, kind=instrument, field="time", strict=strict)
9:16
